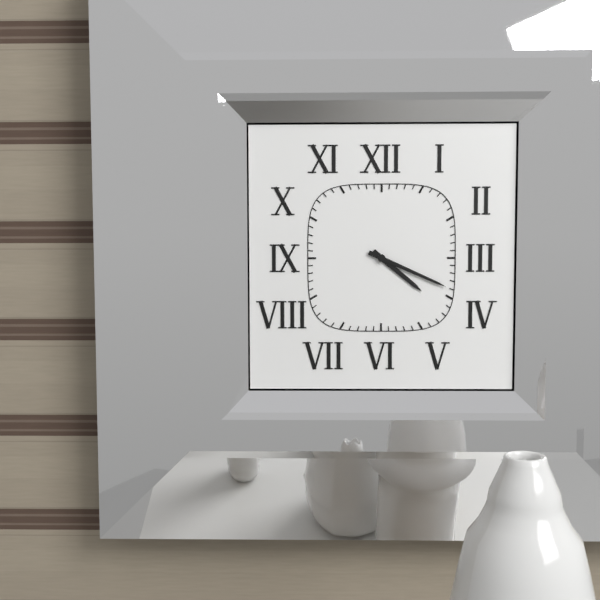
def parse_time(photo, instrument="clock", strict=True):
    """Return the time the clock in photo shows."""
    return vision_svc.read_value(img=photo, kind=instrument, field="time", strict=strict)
4:19
